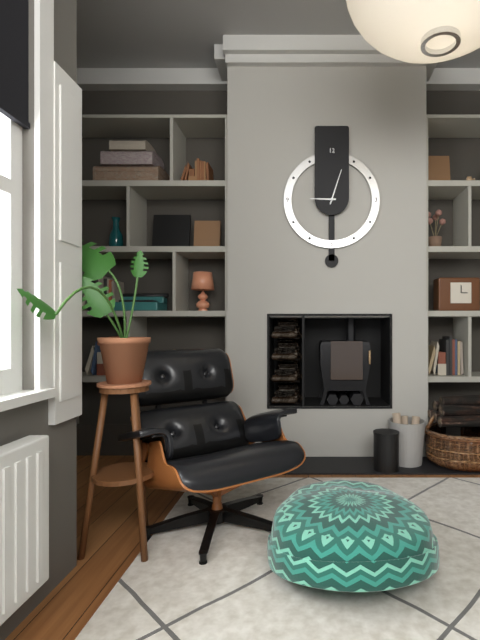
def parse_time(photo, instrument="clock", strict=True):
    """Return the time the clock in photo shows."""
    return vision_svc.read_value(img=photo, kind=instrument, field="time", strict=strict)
9:03
